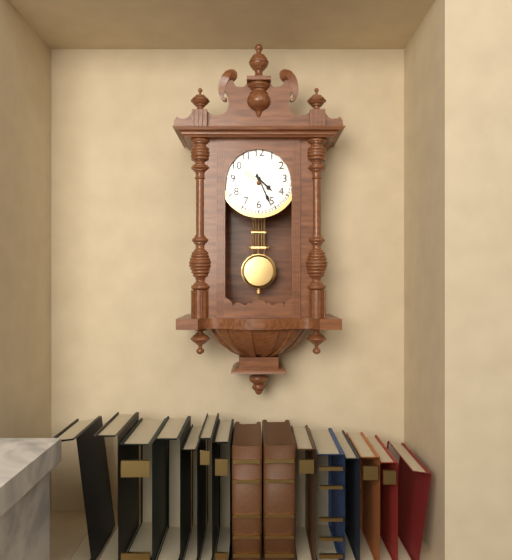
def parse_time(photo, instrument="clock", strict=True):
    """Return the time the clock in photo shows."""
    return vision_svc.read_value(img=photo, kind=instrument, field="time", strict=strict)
4:26
